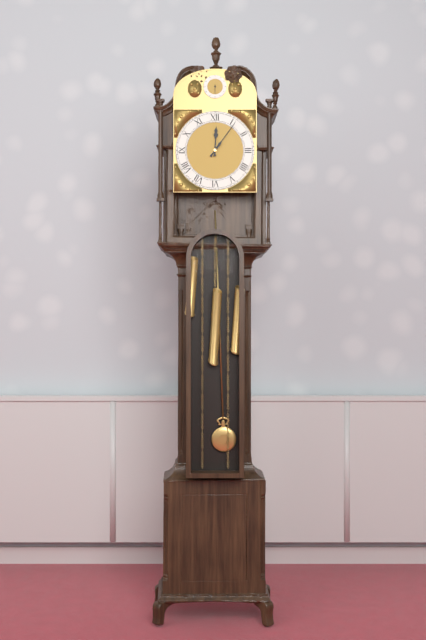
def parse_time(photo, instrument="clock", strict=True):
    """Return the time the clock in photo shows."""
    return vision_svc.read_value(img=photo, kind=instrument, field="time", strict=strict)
12:06
